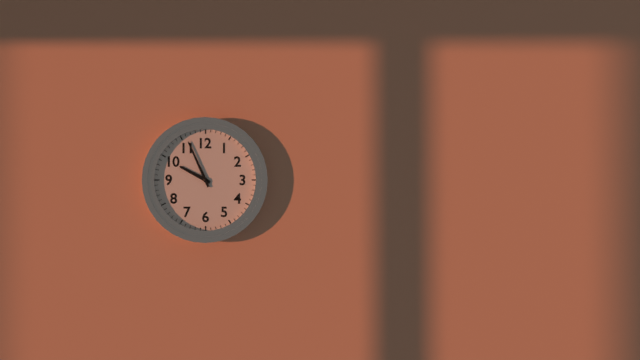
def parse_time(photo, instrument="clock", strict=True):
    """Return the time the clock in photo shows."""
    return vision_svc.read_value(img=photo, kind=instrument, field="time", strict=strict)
9:56
